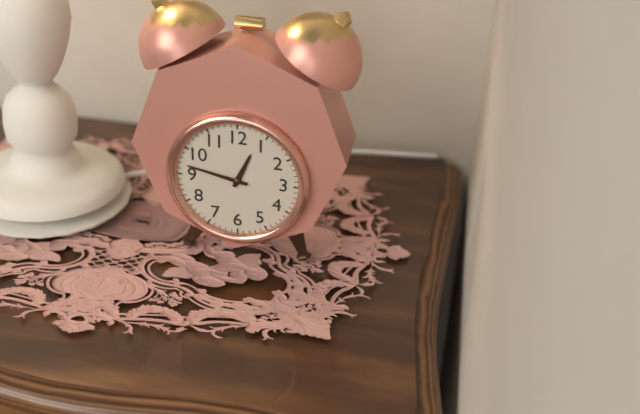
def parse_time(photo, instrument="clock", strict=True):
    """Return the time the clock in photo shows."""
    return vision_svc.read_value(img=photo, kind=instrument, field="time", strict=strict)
12:47
